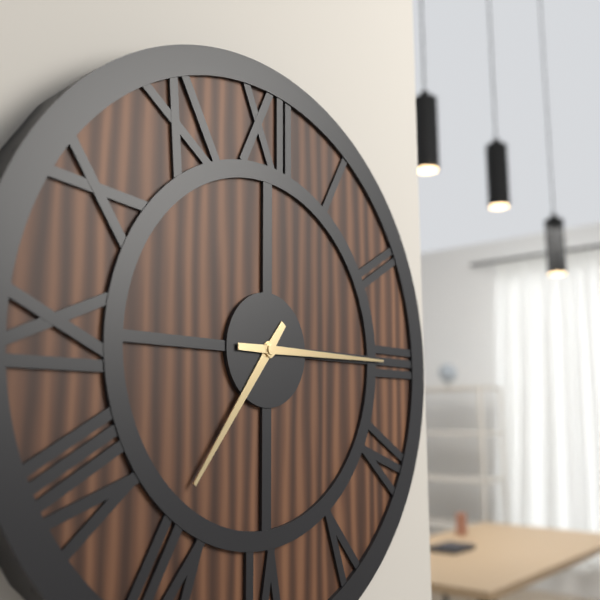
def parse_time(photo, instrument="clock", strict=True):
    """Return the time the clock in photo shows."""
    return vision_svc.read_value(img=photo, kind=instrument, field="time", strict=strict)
7:15
